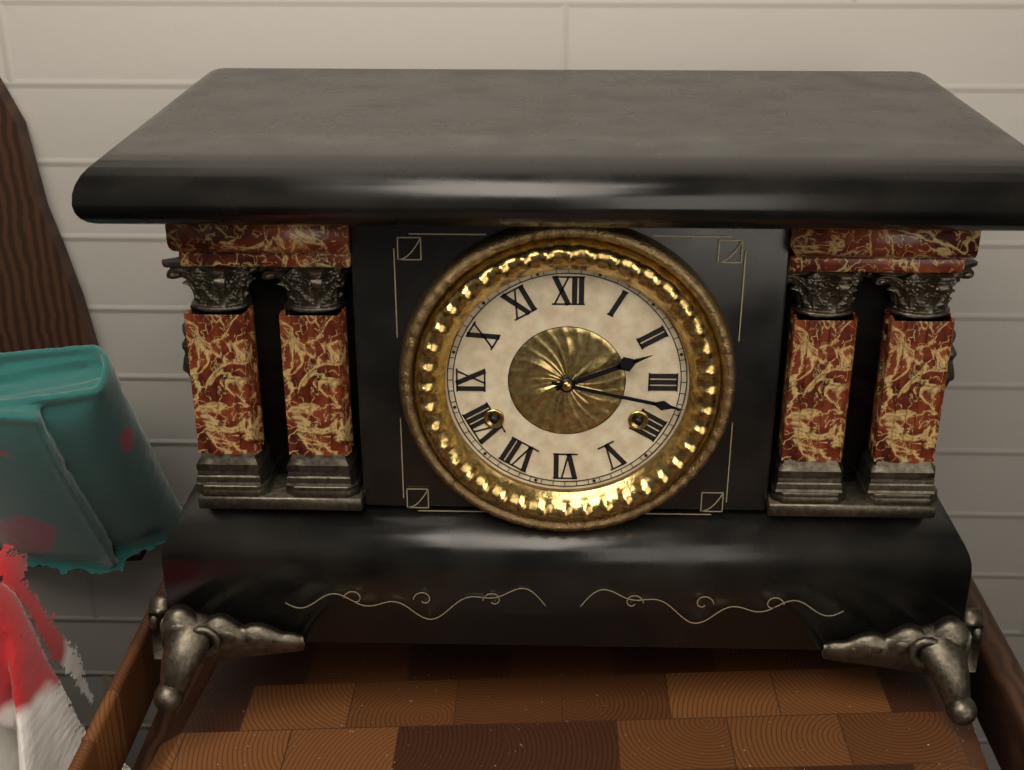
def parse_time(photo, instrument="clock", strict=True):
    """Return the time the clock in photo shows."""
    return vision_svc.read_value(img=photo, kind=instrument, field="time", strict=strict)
2:17
